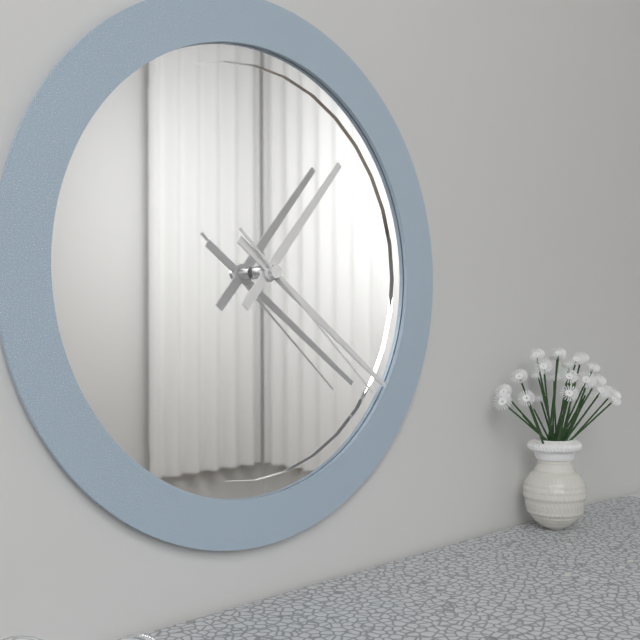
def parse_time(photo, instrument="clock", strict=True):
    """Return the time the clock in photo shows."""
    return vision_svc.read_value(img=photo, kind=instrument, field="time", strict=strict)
1:21:22
